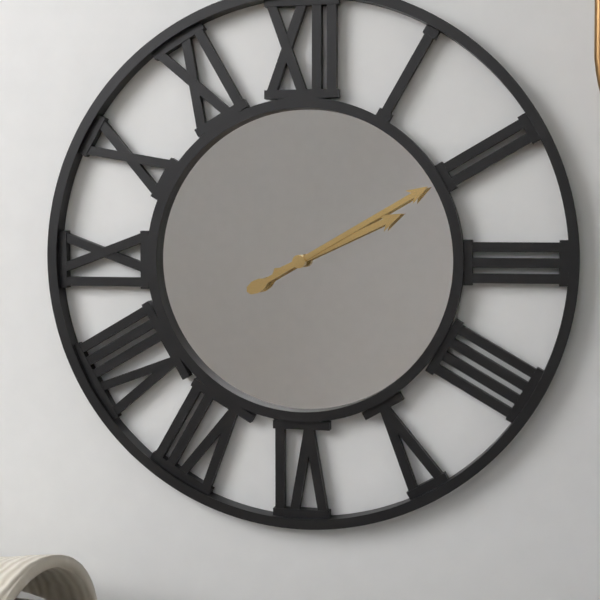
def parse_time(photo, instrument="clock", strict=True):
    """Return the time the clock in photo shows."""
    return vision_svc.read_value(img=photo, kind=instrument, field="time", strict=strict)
2:10
